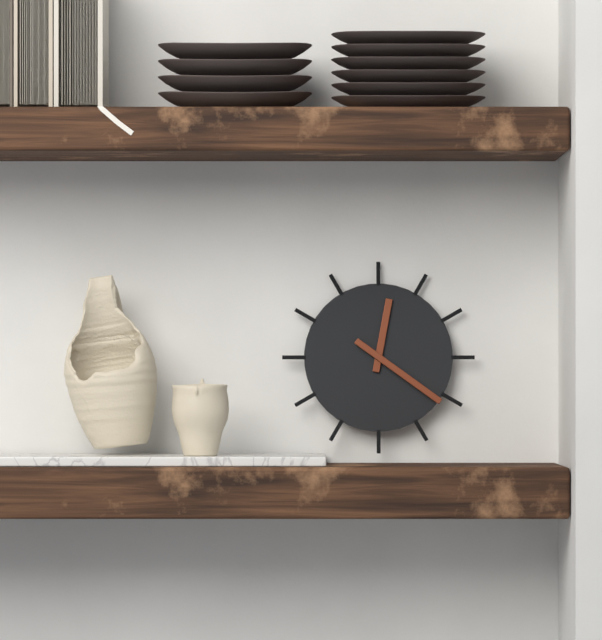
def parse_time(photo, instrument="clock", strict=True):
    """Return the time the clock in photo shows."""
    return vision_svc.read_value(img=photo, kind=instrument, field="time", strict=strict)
12:21
